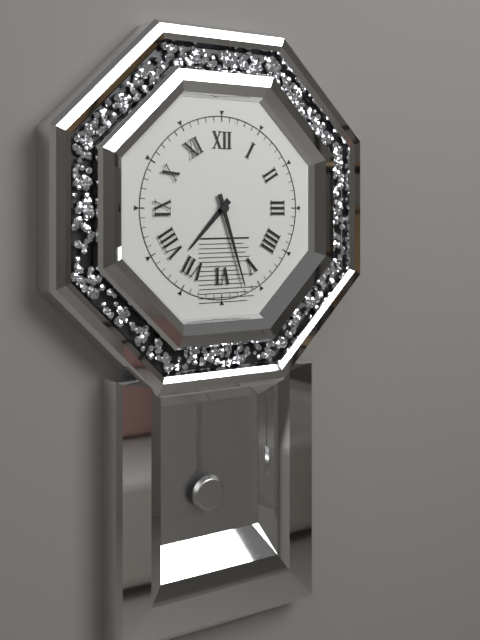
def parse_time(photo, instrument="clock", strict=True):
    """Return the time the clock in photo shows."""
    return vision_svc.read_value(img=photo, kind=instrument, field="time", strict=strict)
7:27
